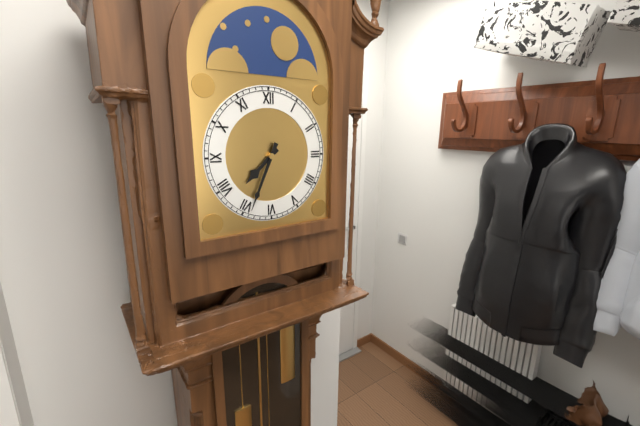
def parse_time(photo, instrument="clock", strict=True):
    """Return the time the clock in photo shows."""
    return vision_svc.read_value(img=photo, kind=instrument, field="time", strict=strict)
7:34
